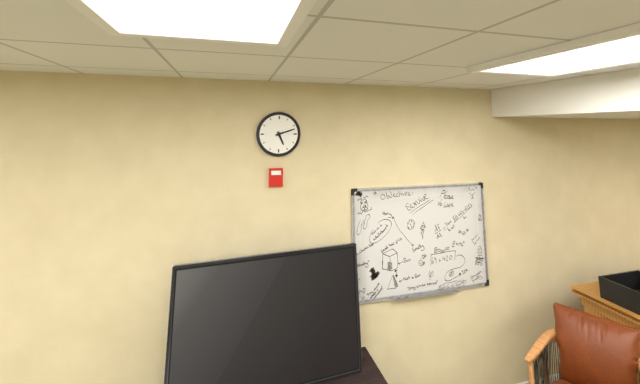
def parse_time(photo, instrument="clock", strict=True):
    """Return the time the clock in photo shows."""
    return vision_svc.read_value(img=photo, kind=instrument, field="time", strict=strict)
5:12
